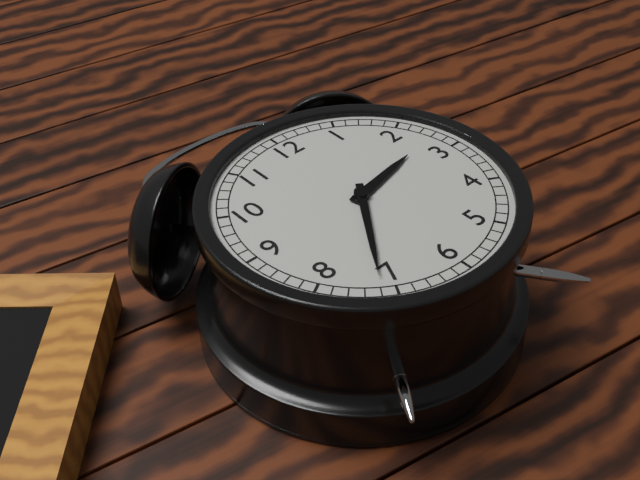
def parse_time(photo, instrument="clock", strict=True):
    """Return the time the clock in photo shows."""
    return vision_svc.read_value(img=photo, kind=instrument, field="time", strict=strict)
2:36
